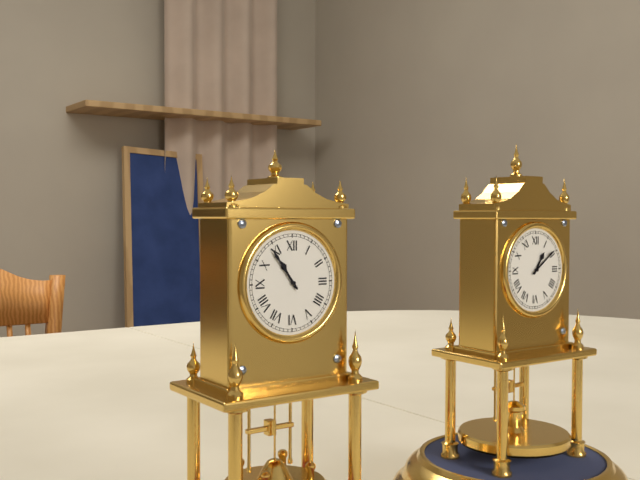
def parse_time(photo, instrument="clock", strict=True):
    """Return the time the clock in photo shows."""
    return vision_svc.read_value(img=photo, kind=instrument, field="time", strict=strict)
10:54
